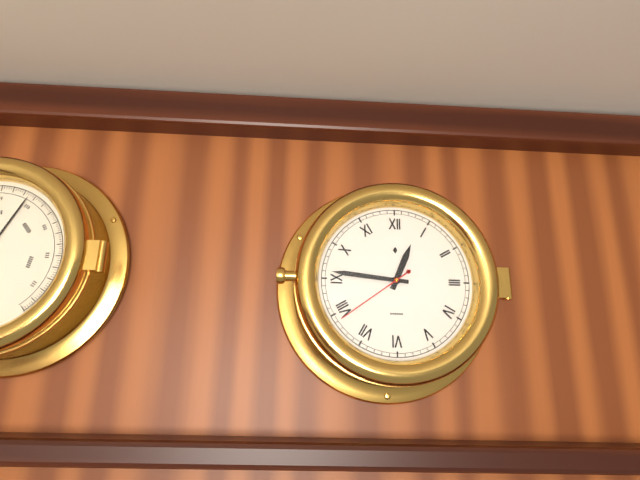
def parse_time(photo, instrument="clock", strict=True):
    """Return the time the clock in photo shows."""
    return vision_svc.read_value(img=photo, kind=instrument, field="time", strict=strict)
12:46:39
